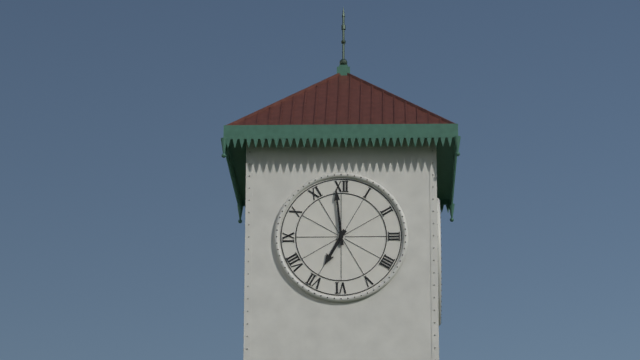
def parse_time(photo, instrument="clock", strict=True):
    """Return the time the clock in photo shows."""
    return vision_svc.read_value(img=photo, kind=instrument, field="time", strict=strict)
6:59
